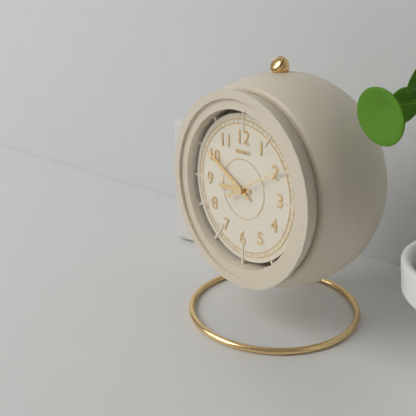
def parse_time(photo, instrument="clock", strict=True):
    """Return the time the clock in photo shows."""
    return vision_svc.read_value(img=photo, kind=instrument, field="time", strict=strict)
8:50:10
